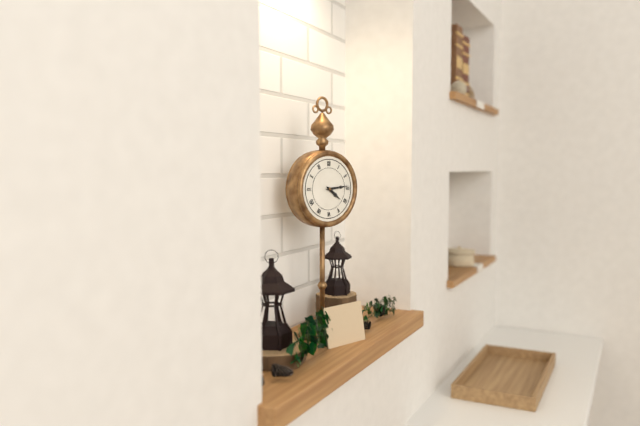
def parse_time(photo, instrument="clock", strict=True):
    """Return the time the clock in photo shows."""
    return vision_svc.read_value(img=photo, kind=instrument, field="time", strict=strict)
4:14
